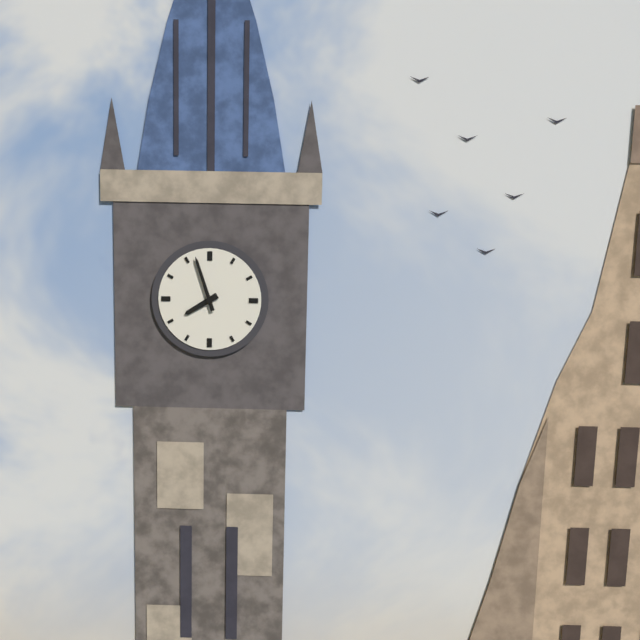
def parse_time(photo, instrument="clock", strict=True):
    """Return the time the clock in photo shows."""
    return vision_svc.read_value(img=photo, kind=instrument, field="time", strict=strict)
7:57
